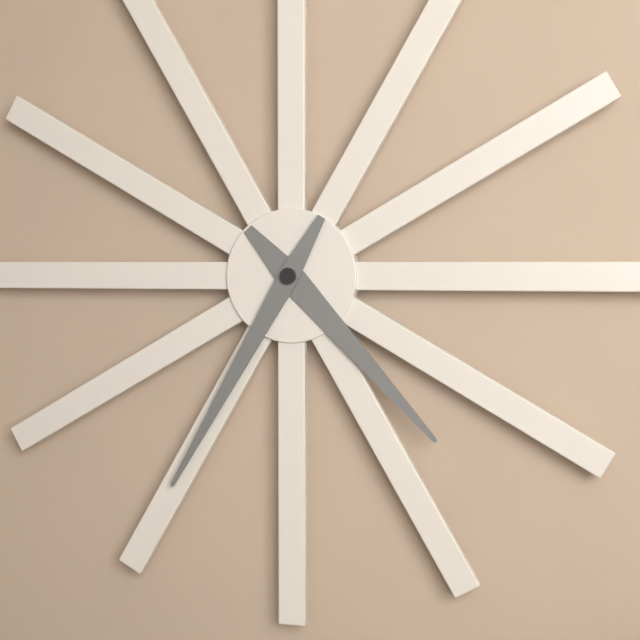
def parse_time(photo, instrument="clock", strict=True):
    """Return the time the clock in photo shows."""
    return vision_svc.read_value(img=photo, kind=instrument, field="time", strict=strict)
4:35
